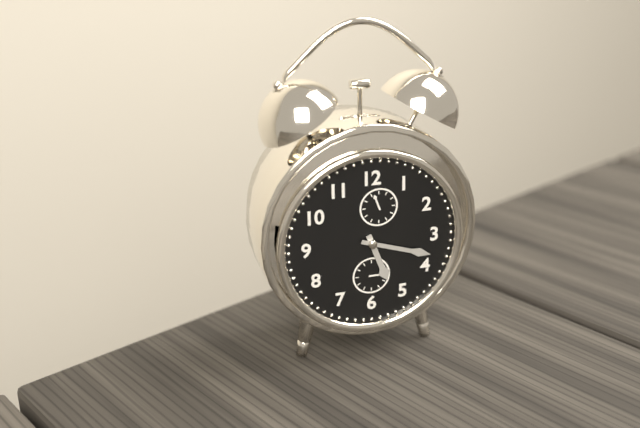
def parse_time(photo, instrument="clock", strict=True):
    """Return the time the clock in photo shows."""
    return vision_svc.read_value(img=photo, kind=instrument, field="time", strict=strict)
5:18
